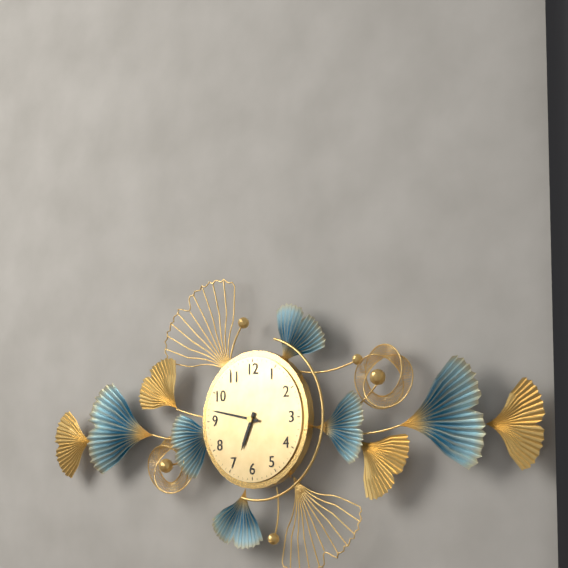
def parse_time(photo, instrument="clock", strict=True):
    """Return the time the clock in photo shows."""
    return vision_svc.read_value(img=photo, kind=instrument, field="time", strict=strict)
6:47
